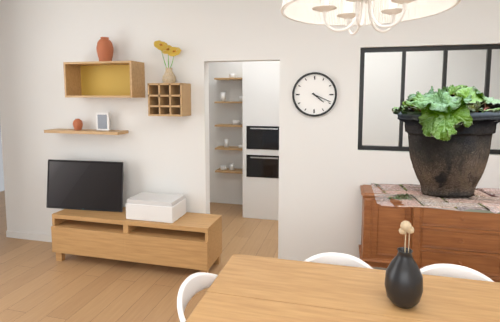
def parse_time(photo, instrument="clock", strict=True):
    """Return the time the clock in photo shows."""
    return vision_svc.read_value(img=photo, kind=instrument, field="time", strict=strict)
4:19
